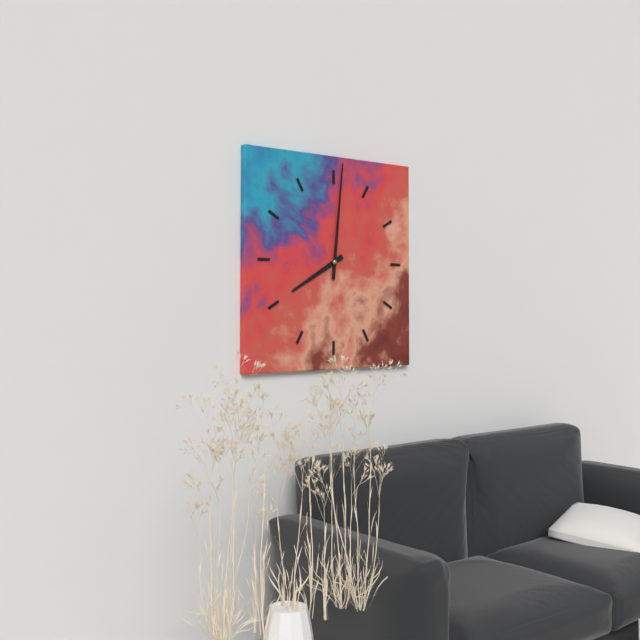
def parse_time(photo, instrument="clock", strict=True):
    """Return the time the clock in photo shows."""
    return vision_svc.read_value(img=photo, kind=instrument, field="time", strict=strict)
8:01
